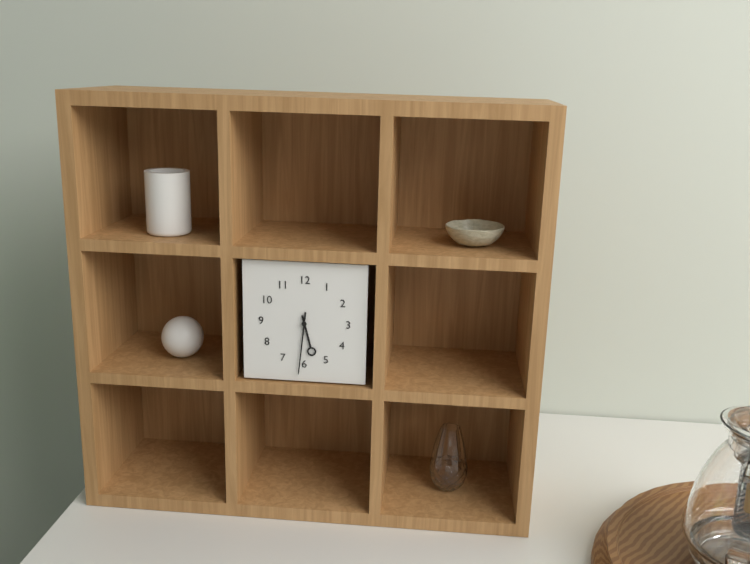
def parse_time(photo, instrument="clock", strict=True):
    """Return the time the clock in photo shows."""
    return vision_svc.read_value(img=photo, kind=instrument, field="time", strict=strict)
5:31
